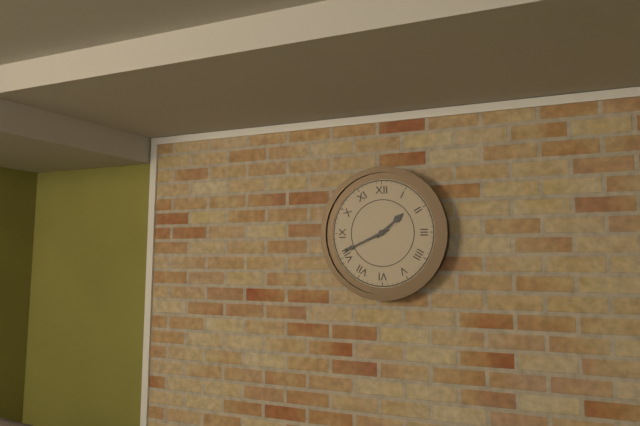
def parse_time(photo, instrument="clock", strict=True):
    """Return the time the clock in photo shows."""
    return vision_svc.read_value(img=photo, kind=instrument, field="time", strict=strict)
1:41
